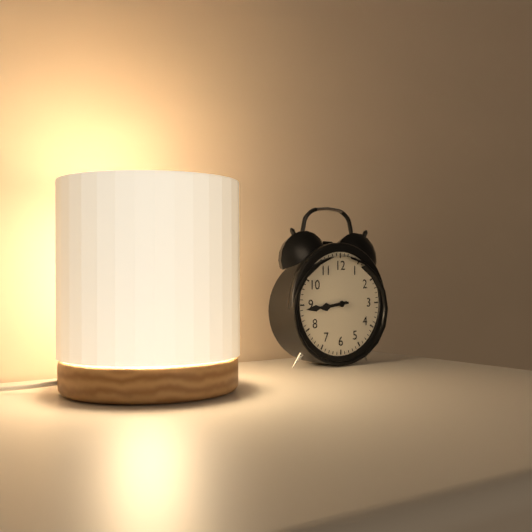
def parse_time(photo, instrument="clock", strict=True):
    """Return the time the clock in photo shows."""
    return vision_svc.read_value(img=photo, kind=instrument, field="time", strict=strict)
8:44
